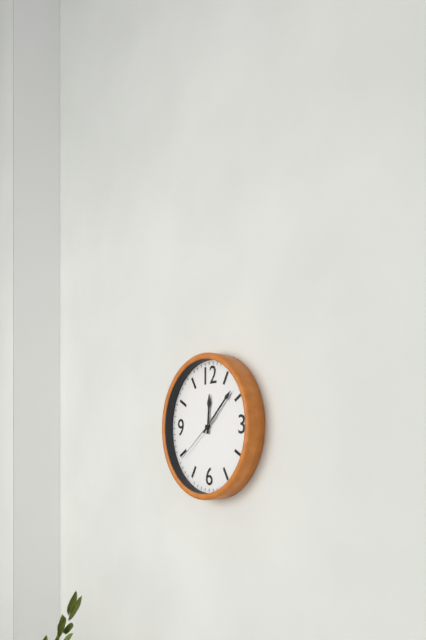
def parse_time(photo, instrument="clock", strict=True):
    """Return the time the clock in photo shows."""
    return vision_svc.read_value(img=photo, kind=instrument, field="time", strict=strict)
12:08:39
